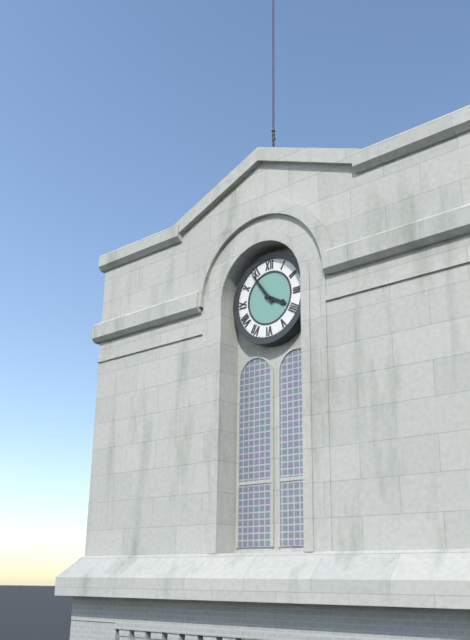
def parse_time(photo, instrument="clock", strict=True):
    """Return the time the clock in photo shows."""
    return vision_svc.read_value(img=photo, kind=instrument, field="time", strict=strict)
3:54
